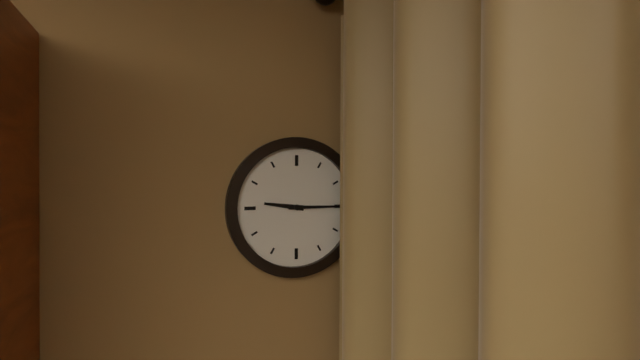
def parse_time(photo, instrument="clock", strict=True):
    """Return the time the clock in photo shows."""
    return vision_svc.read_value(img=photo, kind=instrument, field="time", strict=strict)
9:15
